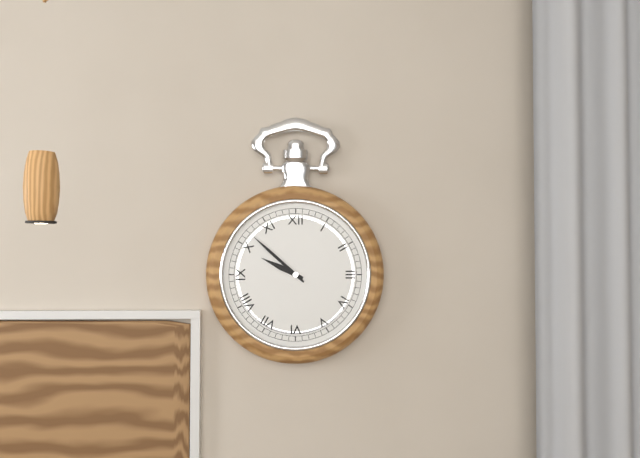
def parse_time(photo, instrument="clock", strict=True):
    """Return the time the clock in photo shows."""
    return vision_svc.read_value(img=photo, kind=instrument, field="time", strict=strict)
9:52
